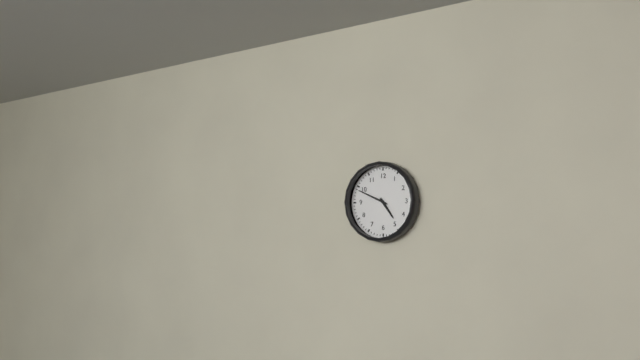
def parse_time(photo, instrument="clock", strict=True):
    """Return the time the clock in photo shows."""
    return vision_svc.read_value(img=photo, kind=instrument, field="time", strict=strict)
4:49
